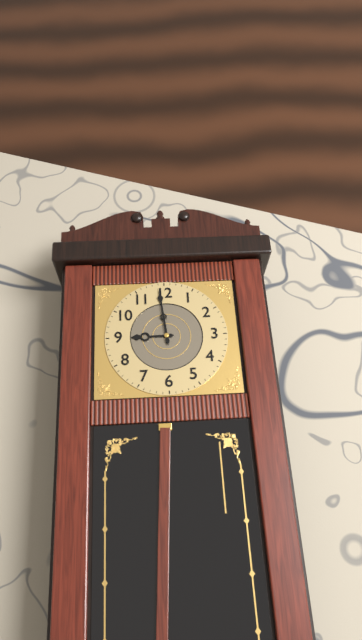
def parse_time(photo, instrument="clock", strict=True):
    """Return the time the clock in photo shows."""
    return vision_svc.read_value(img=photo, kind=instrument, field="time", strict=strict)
8:59
